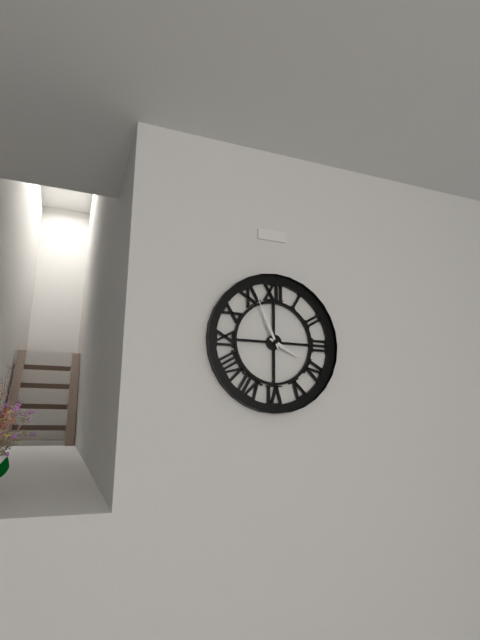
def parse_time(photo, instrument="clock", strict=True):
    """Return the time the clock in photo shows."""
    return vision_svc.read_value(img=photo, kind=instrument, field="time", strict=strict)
3:56
